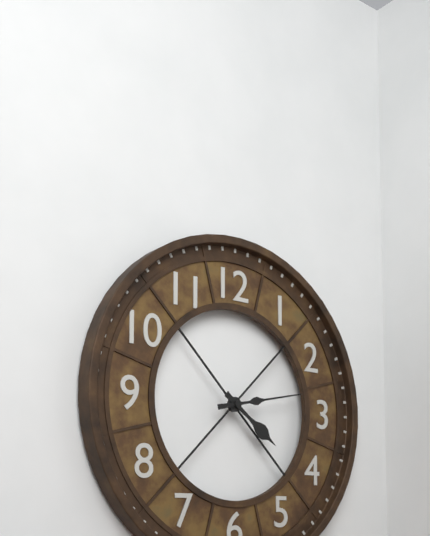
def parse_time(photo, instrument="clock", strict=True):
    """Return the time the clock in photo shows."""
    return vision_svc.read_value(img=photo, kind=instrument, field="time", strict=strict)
4:13
